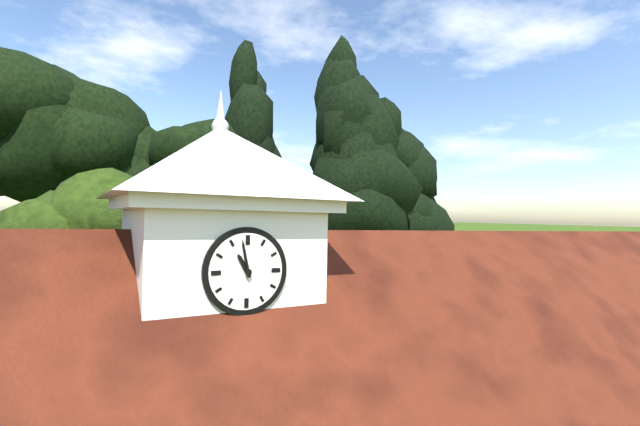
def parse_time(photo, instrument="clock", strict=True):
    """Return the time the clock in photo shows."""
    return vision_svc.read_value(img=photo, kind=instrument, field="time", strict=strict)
10:58
